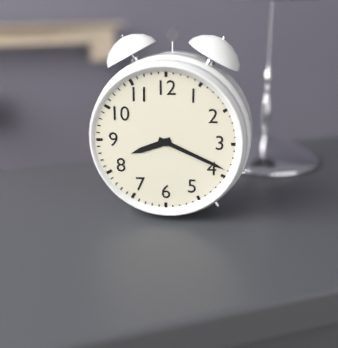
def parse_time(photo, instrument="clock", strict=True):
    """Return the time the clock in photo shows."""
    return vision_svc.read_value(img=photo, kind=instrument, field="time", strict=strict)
8:19
